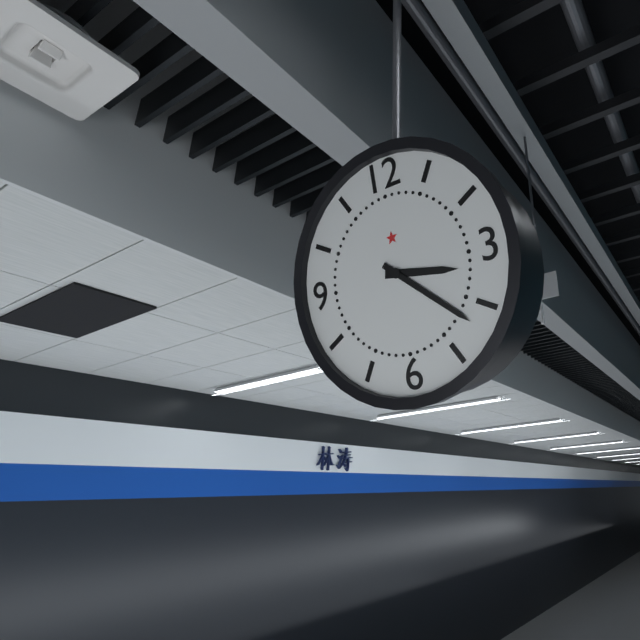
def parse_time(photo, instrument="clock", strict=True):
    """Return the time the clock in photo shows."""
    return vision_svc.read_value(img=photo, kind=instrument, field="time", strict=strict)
3:22
